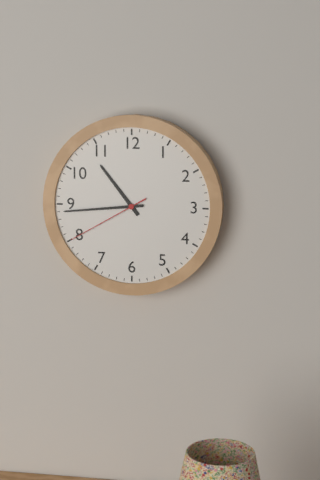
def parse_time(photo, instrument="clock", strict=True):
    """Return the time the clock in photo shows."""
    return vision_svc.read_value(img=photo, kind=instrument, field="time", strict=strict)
10:44:40
